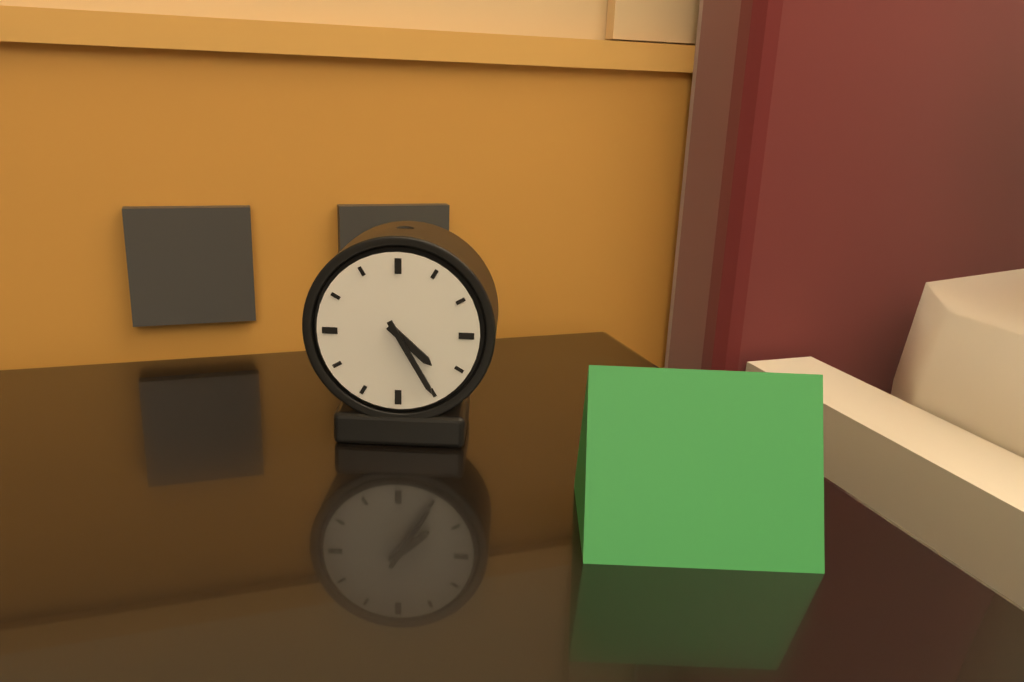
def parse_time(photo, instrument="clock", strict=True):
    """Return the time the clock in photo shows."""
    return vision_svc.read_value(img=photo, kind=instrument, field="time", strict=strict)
4:25
